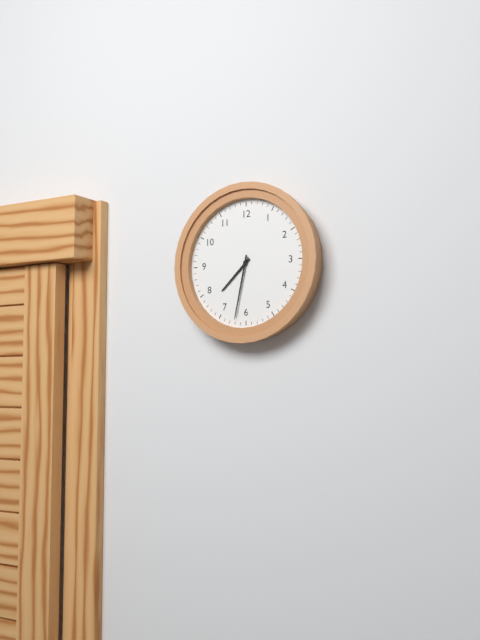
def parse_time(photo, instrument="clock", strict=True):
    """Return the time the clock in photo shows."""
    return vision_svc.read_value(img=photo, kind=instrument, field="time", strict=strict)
7:32
